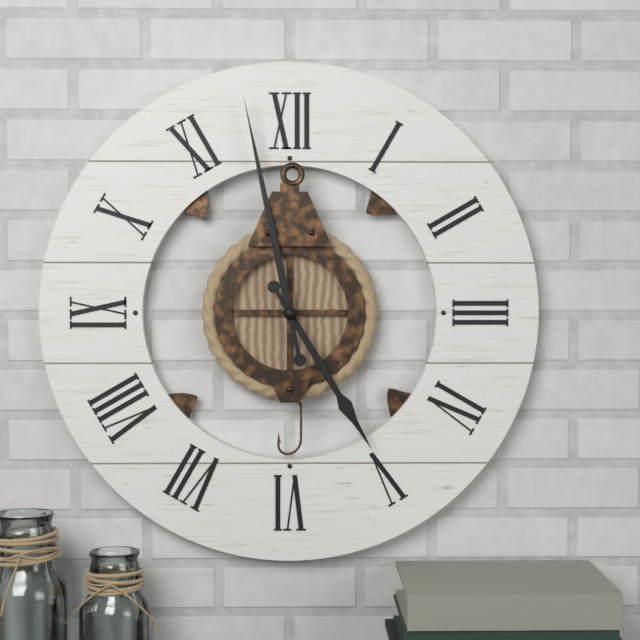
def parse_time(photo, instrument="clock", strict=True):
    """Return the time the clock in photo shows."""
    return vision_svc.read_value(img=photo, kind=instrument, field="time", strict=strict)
4:58
